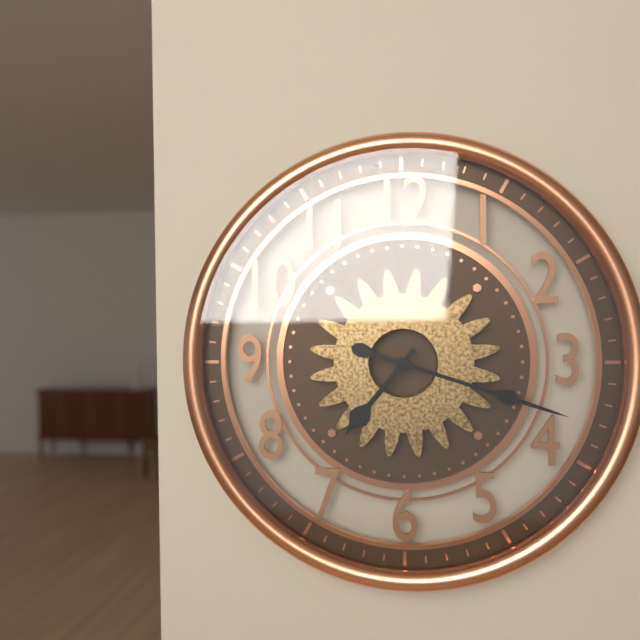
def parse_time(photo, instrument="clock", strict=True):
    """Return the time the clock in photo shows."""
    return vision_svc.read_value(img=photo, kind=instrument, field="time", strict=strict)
7:18
